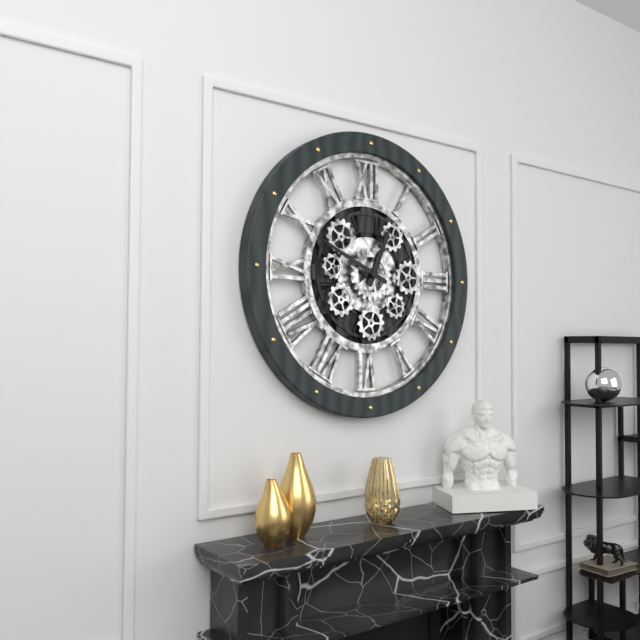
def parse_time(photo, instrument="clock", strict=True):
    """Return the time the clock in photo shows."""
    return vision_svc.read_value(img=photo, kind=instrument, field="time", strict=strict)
12:49
